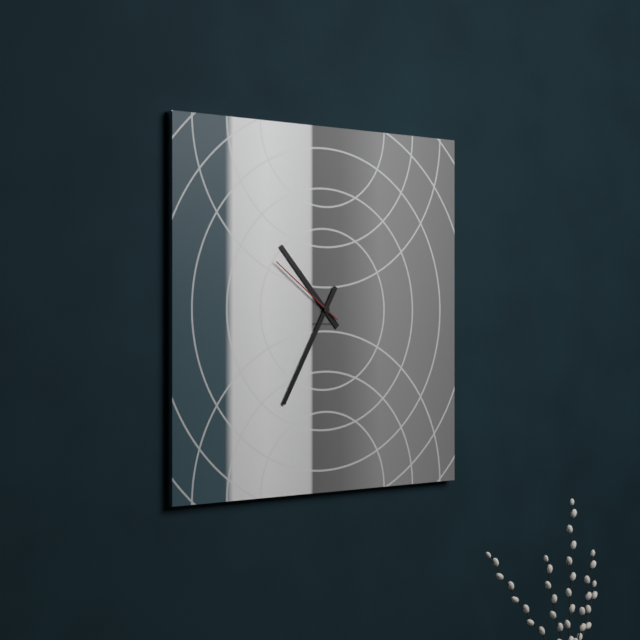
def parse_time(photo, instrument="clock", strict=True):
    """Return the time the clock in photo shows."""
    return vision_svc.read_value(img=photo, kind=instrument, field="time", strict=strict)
10:35:51
